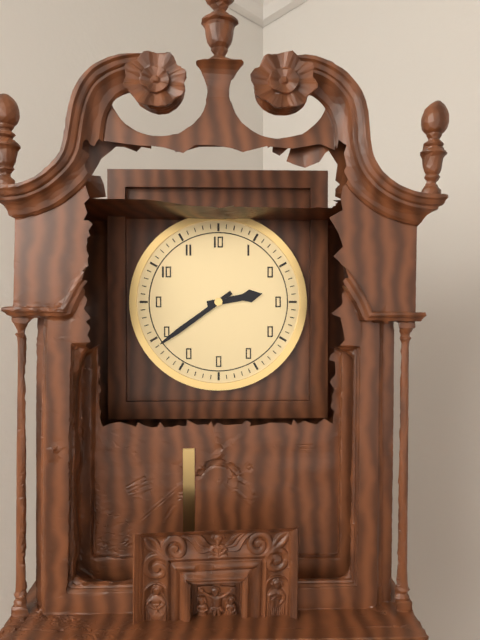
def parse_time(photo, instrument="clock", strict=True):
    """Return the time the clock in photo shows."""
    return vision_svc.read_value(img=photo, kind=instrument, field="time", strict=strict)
2:39
